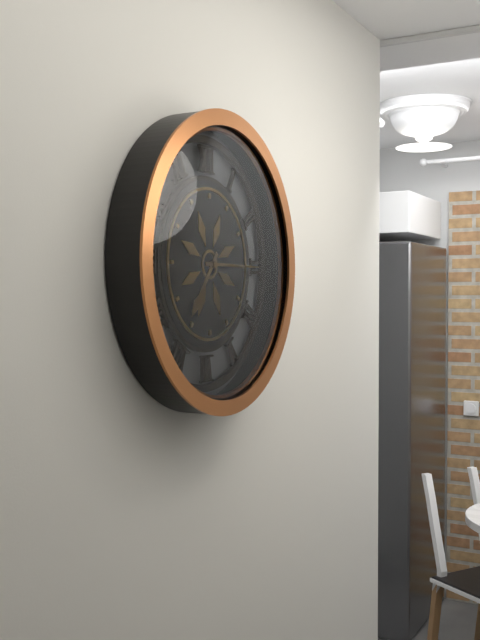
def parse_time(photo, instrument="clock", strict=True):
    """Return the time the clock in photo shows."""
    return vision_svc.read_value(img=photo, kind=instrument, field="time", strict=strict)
7:15
